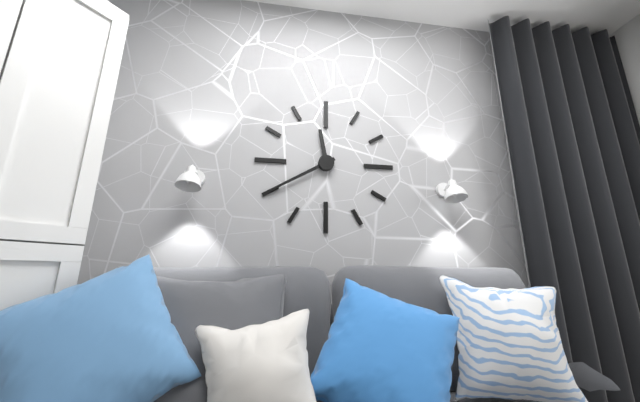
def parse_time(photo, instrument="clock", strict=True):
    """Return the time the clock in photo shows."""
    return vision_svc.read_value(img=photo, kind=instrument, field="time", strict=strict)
11:40
